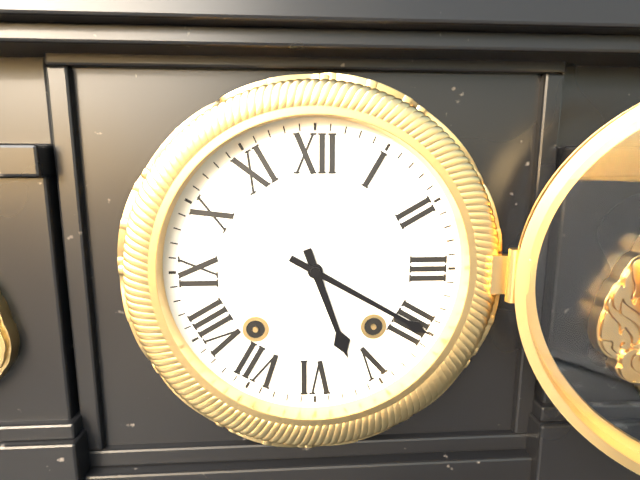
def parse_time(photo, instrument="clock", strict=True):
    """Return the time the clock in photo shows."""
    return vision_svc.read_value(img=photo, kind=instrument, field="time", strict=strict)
5:20
